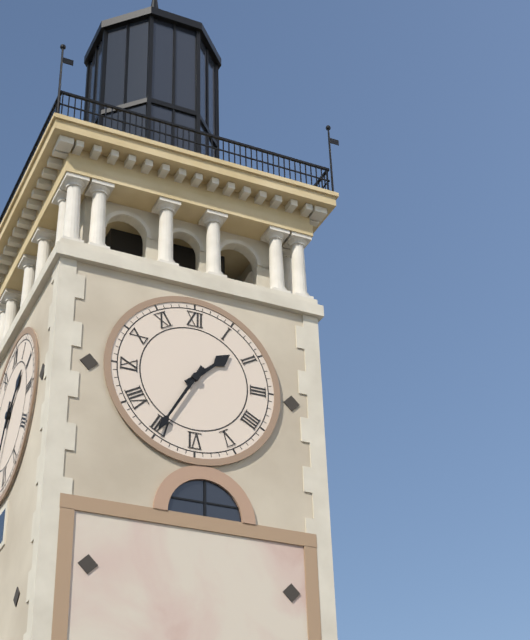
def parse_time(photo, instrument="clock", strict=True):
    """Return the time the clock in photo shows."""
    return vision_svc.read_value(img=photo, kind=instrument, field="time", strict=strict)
1:35
